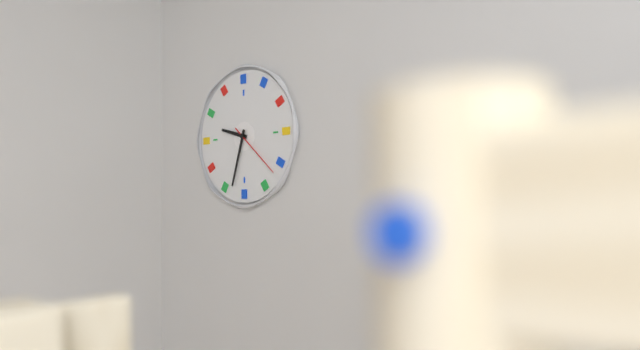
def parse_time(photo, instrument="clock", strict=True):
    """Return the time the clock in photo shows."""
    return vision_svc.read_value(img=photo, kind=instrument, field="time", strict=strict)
9:33:22
